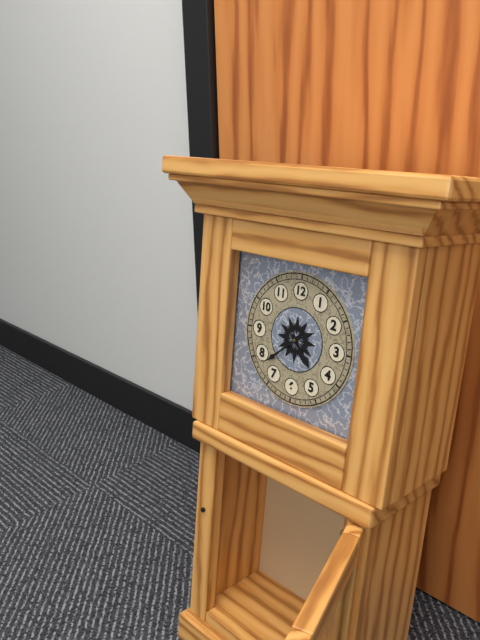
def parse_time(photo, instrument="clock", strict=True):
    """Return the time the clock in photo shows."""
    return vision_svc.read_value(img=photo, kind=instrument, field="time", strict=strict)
4:38
